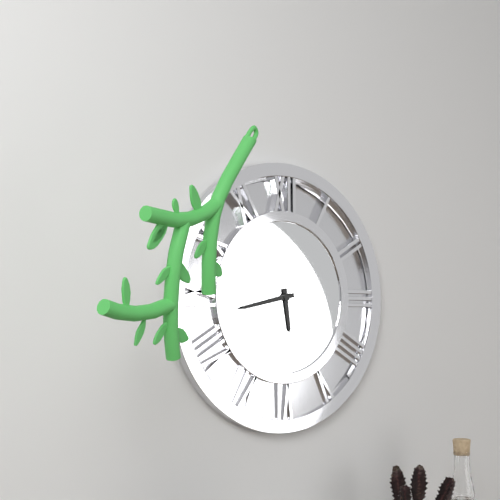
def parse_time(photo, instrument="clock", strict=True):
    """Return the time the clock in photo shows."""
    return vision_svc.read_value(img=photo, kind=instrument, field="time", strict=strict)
5:43
